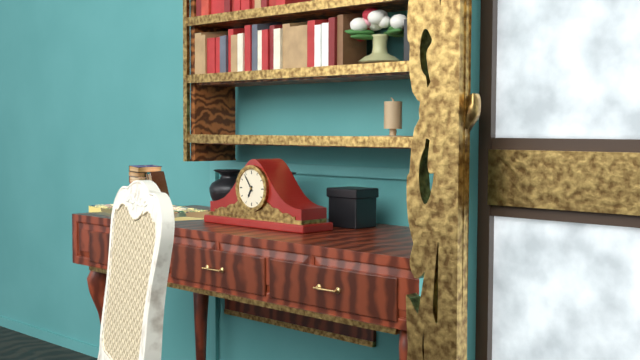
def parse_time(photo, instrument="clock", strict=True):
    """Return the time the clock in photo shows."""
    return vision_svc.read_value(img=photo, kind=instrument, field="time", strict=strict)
6:54
